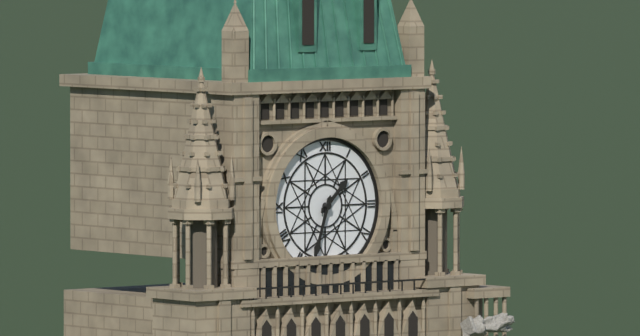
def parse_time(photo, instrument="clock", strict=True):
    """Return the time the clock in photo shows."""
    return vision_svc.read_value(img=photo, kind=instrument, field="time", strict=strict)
1:33
